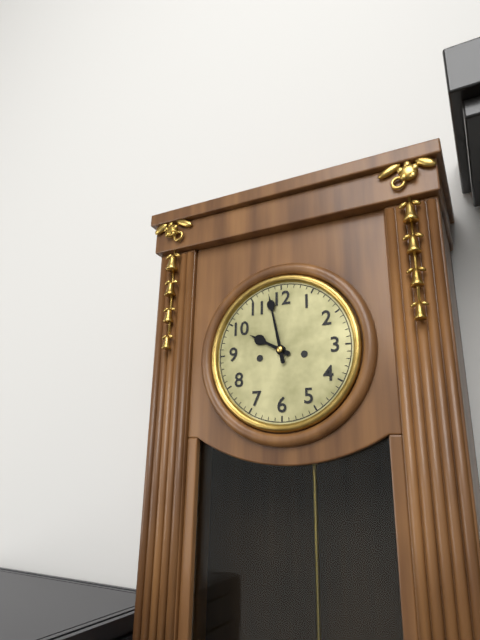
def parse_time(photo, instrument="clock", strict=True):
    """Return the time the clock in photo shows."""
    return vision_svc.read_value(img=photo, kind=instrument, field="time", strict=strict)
9:58
